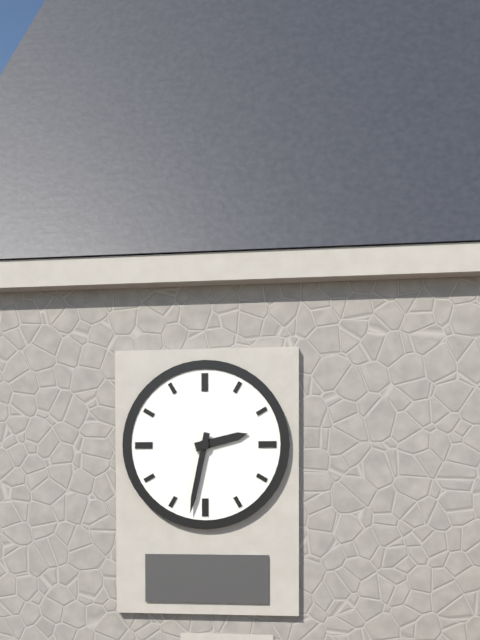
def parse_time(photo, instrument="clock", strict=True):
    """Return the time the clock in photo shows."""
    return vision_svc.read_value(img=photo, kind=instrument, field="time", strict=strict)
2:32
